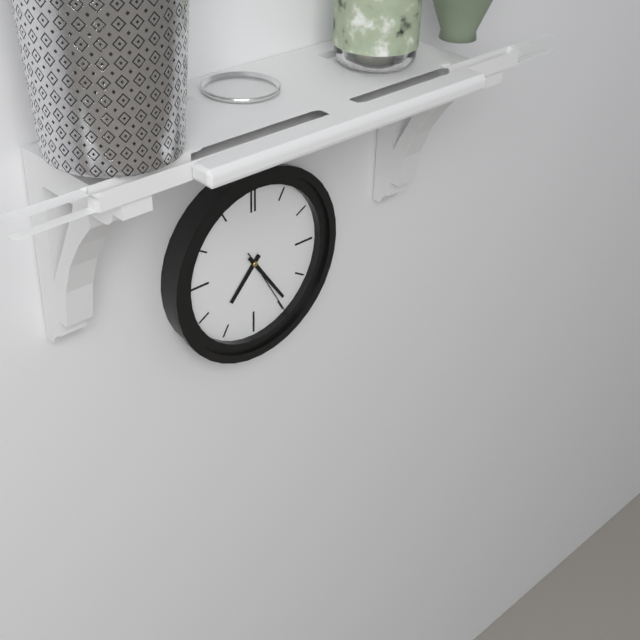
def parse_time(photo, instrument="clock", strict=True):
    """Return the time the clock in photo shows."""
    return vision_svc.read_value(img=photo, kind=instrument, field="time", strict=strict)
7:24:25
